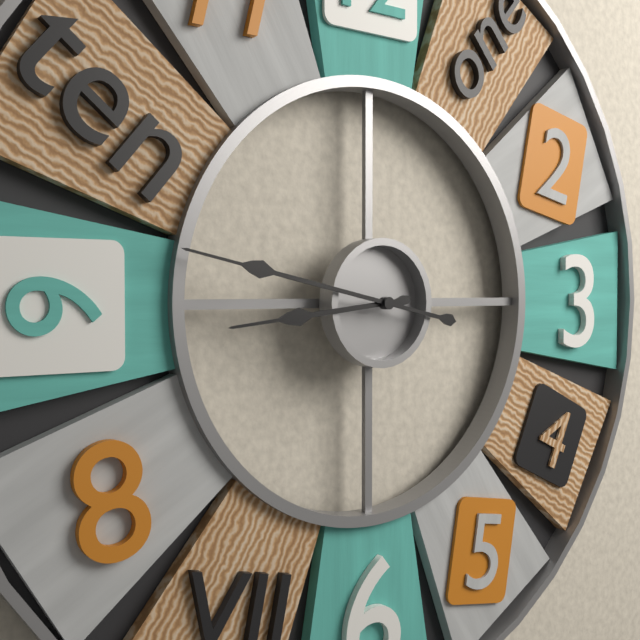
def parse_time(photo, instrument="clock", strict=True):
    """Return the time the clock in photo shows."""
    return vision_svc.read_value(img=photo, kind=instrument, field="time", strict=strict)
8:47
